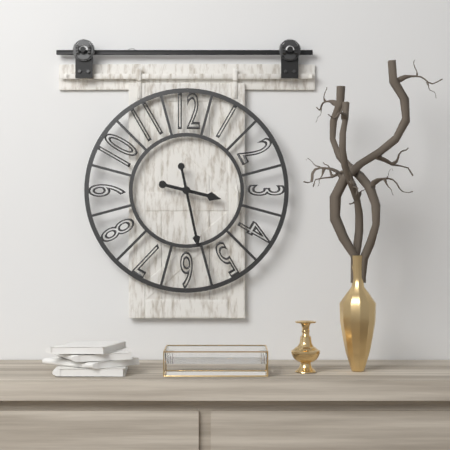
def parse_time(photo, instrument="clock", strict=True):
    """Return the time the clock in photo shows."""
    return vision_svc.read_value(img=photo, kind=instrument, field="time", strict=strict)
3:28
